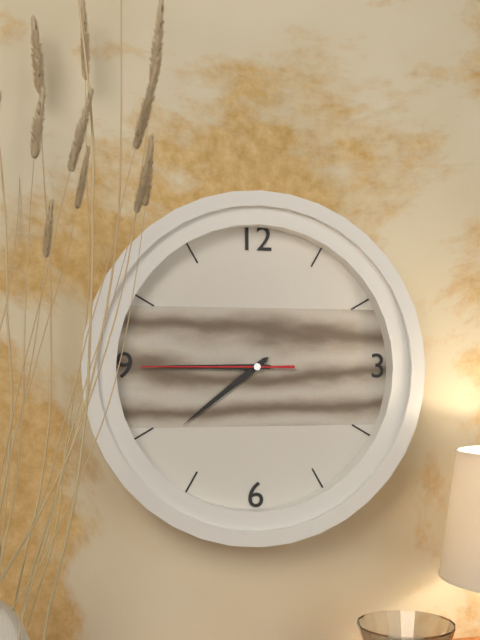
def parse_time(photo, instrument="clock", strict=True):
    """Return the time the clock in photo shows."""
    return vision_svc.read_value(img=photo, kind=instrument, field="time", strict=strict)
7:45:45
